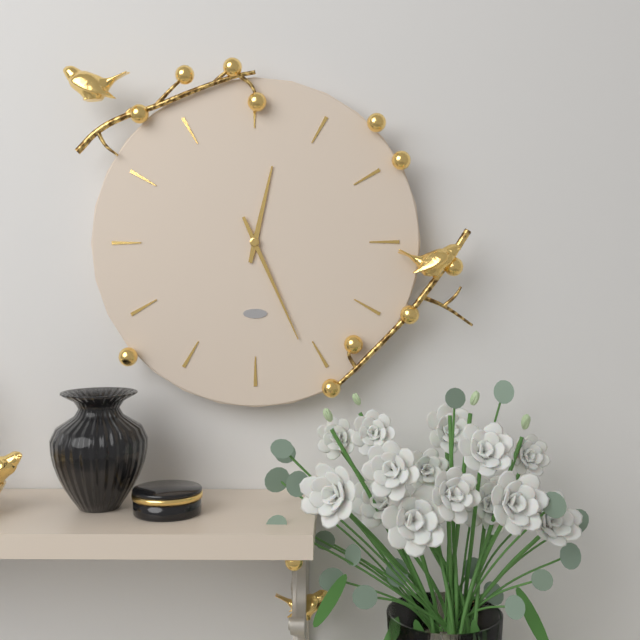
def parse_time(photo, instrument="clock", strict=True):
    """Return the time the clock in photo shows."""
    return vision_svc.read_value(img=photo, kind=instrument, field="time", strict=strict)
12:26
